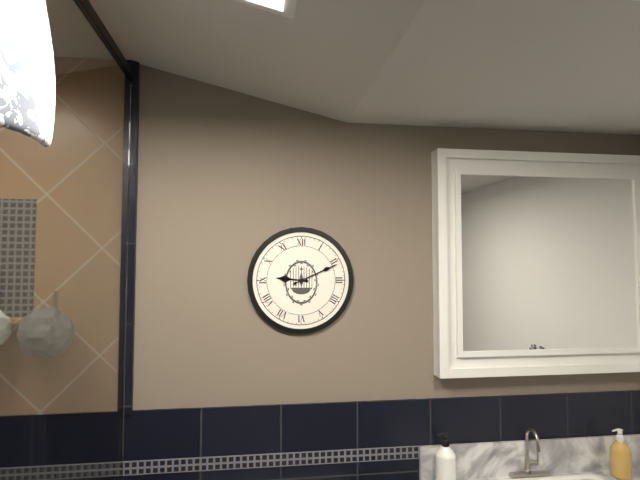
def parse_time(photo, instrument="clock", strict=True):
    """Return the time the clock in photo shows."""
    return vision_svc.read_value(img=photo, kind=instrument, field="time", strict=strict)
9:11
